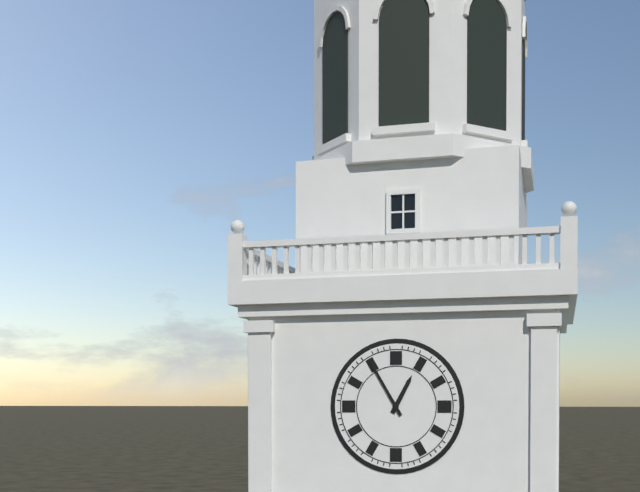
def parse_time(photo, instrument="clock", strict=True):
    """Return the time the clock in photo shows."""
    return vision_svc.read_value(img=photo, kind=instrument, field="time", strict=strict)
12:55
